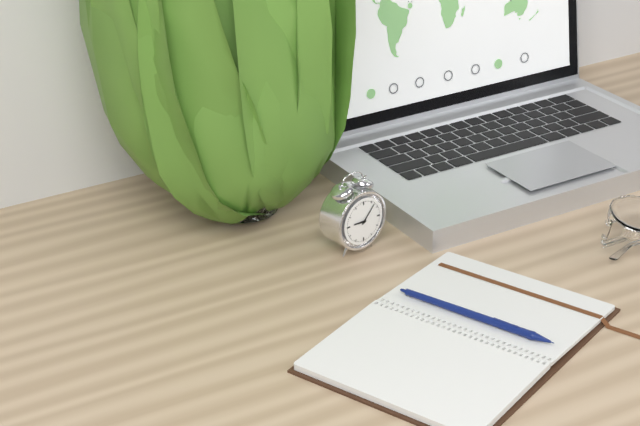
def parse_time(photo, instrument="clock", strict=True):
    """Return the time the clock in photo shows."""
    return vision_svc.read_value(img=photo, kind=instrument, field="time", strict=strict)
9:07
